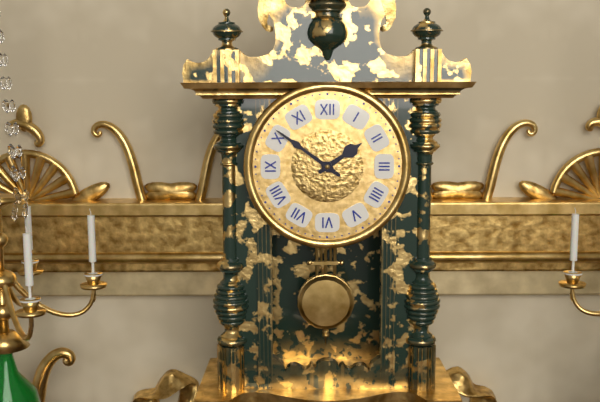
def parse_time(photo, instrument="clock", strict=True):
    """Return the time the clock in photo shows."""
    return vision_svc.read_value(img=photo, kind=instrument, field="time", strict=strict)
1:51
